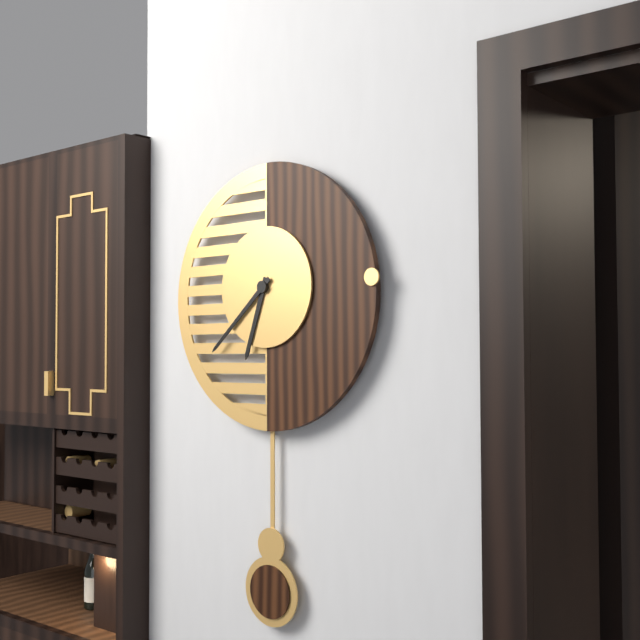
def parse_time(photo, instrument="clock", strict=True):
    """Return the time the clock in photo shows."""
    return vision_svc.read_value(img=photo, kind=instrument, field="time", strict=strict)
6:38
